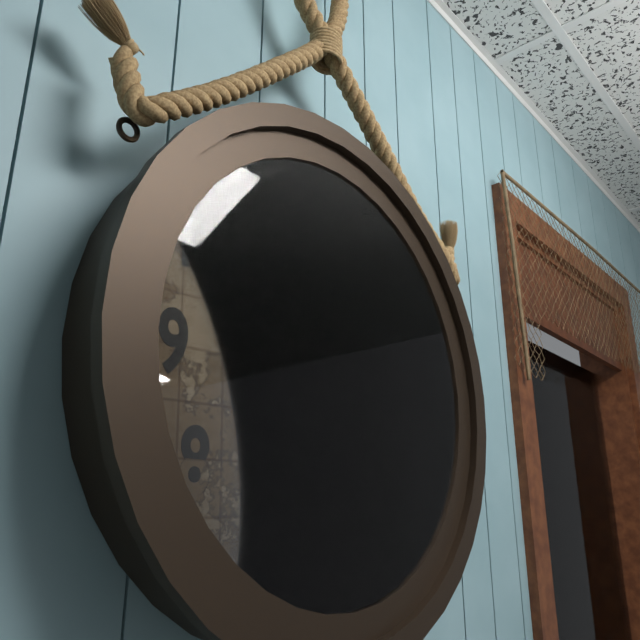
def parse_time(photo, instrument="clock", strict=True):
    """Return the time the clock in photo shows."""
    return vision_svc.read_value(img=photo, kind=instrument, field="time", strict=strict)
5:30
